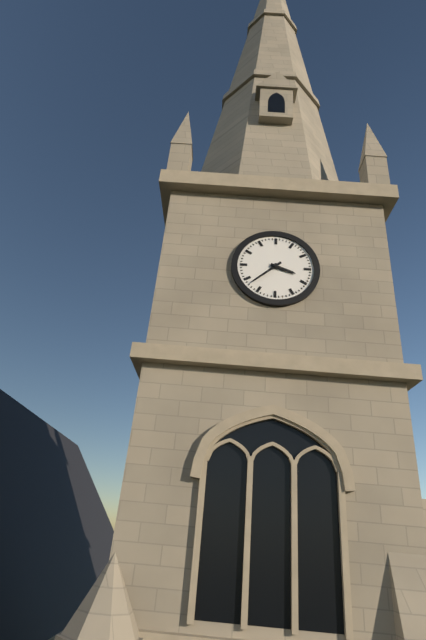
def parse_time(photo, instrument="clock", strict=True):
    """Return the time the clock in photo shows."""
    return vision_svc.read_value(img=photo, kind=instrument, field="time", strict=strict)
3:38
